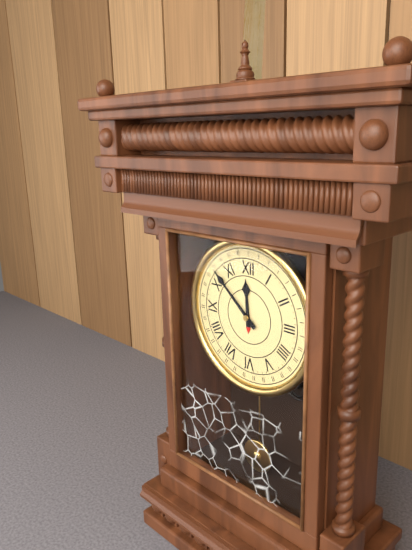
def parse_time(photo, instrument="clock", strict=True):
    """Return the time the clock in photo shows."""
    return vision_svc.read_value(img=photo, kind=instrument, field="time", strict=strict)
11:52
